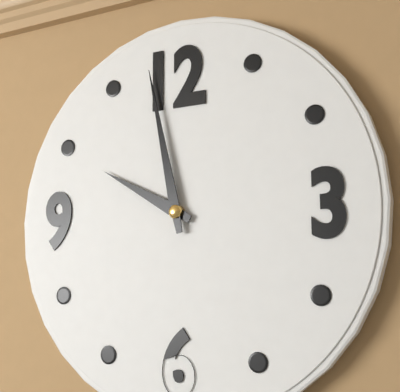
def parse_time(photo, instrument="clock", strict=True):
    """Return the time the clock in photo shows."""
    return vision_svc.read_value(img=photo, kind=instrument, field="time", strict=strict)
9:58
